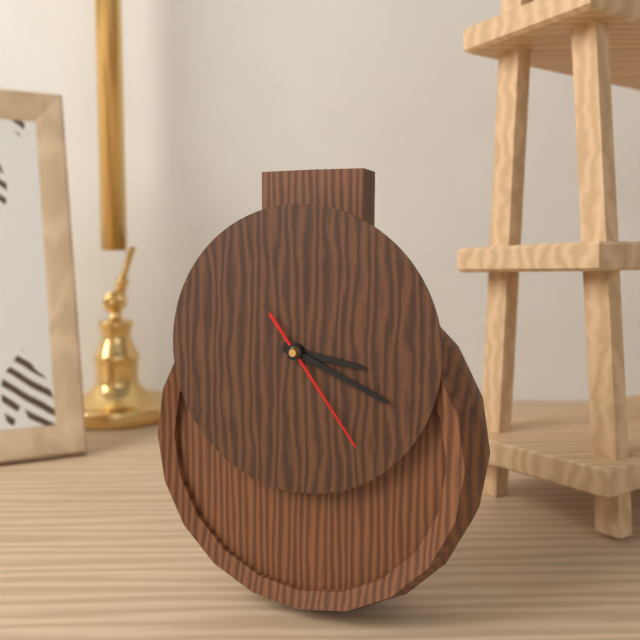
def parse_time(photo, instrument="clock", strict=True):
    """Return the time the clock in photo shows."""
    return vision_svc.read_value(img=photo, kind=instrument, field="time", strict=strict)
3:19:24
